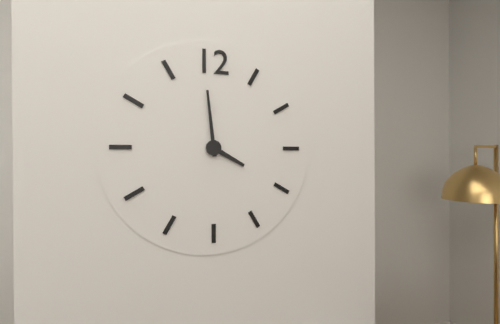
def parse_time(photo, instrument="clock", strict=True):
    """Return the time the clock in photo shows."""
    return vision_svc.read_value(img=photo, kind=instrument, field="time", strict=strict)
3:59
